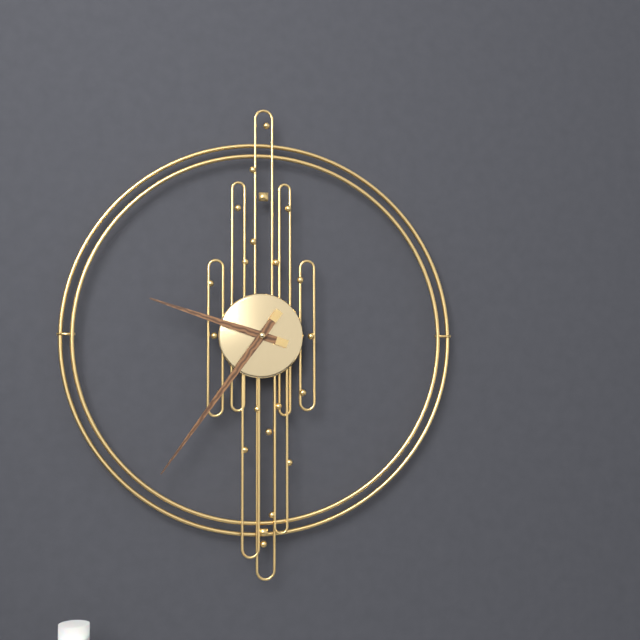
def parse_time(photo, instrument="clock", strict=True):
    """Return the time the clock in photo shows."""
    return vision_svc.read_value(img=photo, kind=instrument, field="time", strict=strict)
9:36
